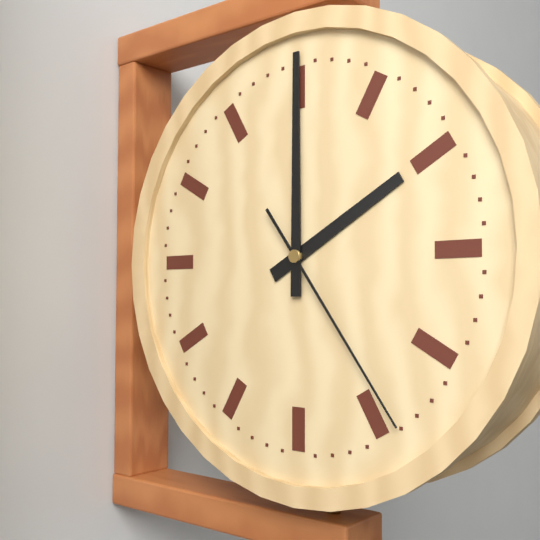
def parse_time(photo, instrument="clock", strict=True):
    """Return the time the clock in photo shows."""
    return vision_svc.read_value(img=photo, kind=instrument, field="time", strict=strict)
2:00:24
